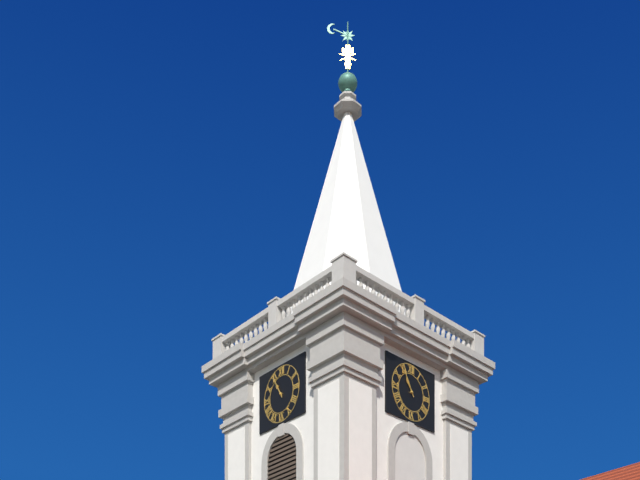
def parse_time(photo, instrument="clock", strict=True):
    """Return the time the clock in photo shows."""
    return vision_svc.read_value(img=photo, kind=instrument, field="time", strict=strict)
10:55
